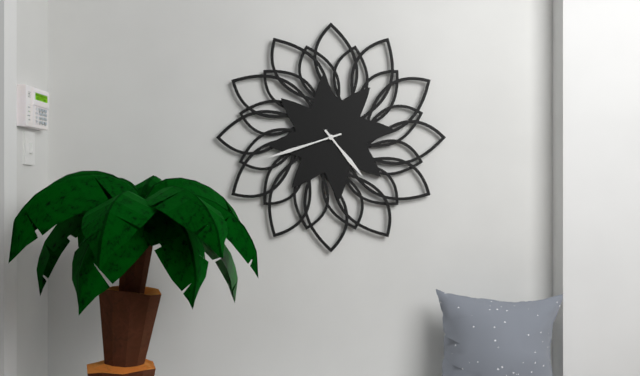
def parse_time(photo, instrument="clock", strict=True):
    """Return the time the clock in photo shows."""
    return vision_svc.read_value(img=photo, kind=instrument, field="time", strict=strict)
4:42
